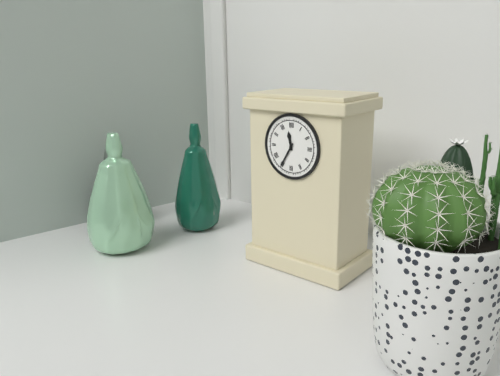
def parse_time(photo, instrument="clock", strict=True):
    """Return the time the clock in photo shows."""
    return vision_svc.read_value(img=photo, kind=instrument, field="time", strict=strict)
11:35
